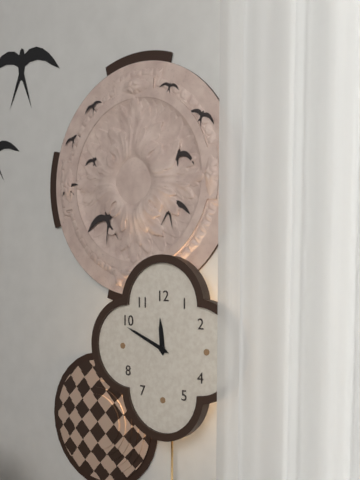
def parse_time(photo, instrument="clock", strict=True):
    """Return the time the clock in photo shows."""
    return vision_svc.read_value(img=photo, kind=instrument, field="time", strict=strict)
11:49
